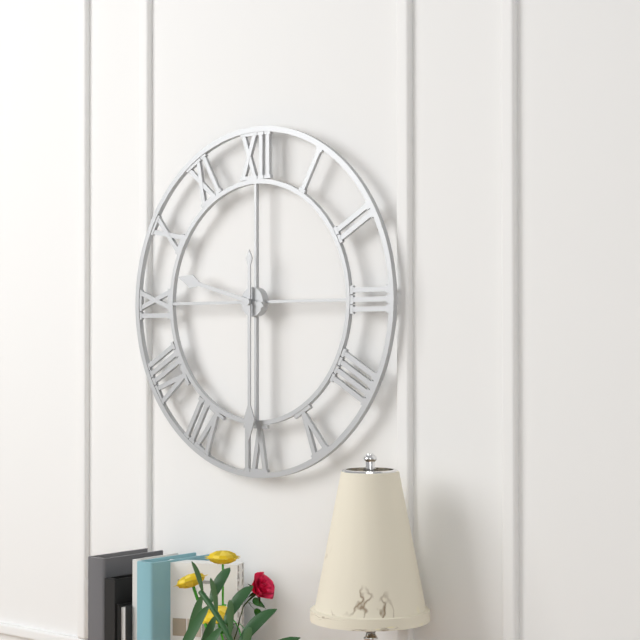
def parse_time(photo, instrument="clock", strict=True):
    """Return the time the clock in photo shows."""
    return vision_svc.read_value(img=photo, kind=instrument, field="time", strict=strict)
9:30
